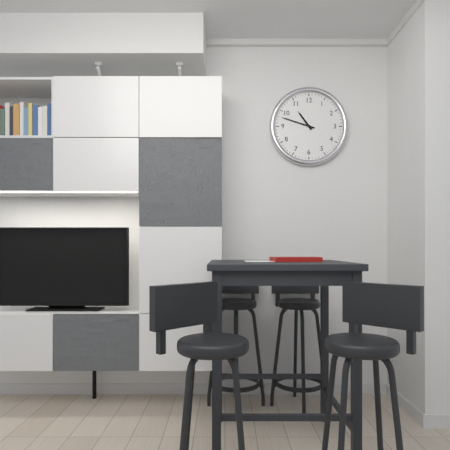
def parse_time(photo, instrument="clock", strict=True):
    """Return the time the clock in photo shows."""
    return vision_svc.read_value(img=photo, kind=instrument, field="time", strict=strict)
10:48
